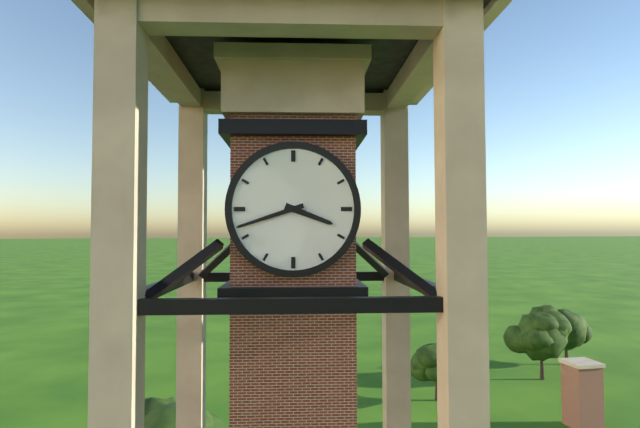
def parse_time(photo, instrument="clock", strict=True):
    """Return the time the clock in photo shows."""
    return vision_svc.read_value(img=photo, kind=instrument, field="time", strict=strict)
3:42
